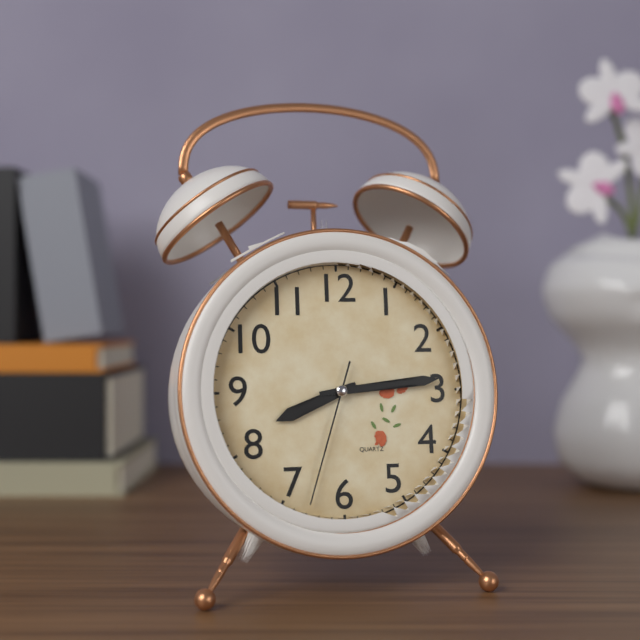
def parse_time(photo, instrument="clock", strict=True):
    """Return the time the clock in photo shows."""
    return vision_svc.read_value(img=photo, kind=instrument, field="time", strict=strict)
8:14:33
